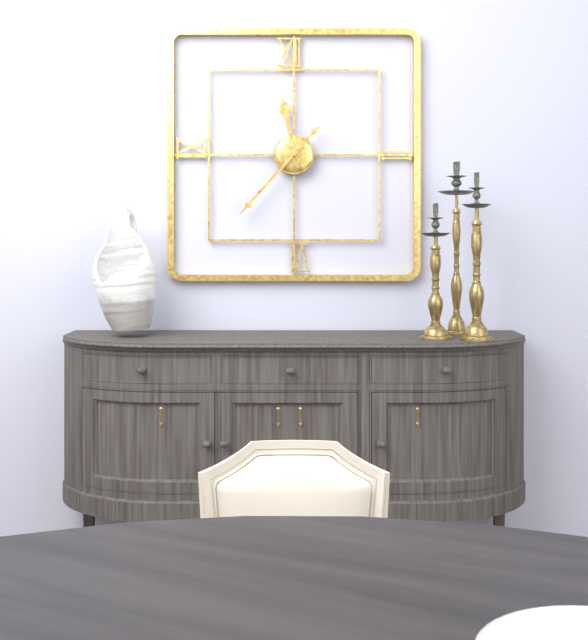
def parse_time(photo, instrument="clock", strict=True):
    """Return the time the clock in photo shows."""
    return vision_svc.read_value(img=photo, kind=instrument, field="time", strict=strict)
11:37
